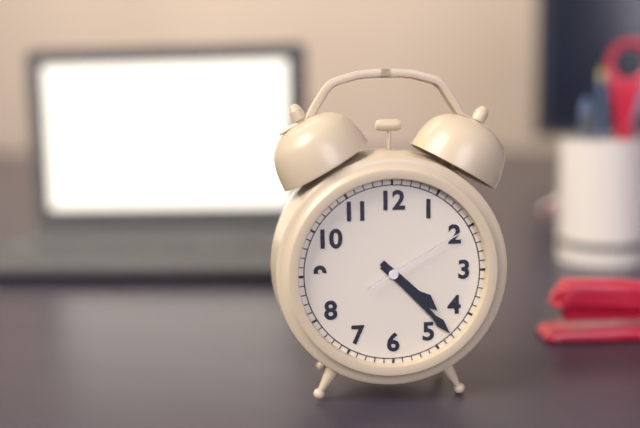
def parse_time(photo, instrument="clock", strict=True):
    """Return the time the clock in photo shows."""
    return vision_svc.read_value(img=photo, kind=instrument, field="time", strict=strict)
4:23:10
